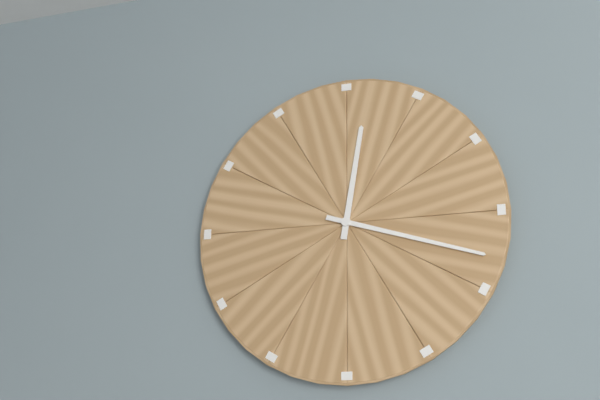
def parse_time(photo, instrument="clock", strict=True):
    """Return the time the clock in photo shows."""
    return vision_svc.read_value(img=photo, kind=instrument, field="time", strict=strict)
12:18
